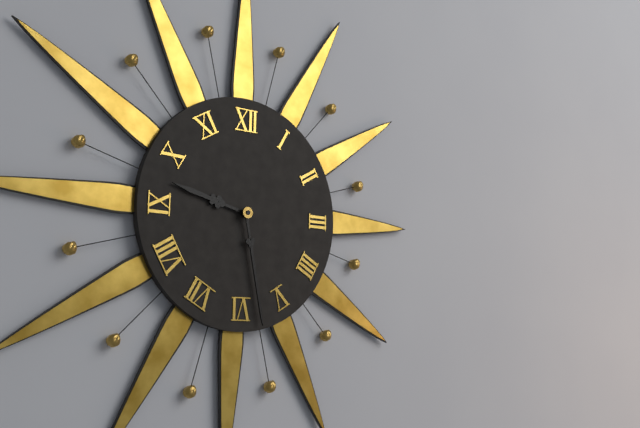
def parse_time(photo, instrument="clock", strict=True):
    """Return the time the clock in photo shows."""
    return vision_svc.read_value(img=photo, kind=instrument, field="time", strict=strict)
9:28
